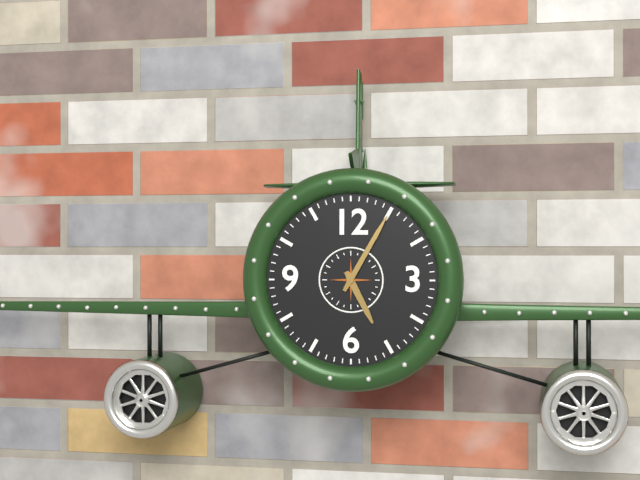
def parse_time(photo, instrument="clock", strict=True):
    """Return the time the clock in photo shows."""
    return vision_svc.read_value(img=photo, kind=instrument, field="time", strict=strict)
5:05
